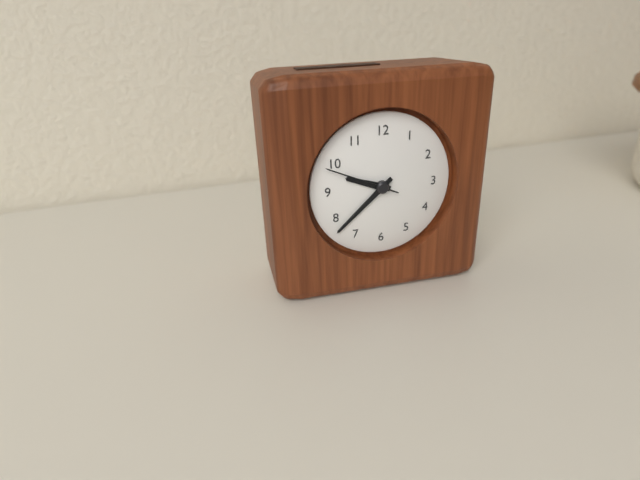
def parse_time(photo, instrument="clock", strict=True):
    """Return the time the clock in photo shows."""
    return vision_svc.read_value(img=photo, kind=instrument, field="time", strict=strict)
9:38:49
